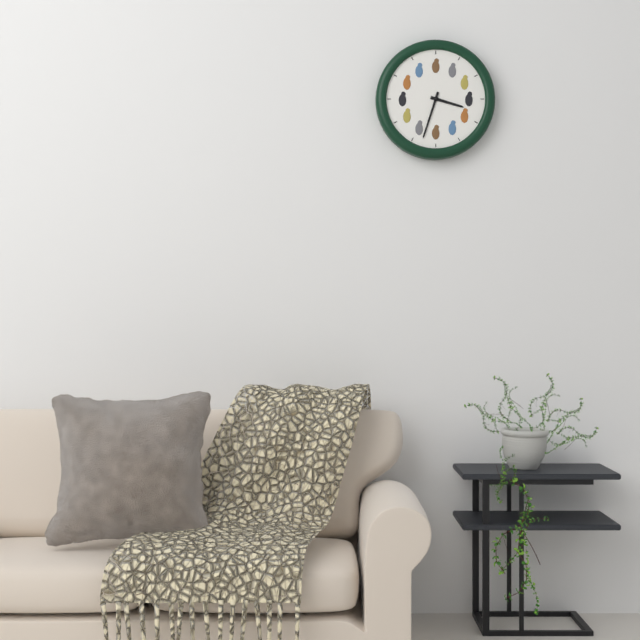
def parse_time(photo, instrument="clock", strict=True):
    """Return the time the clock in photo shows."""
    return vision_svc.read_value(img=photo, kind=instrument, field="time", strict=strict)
3:33
